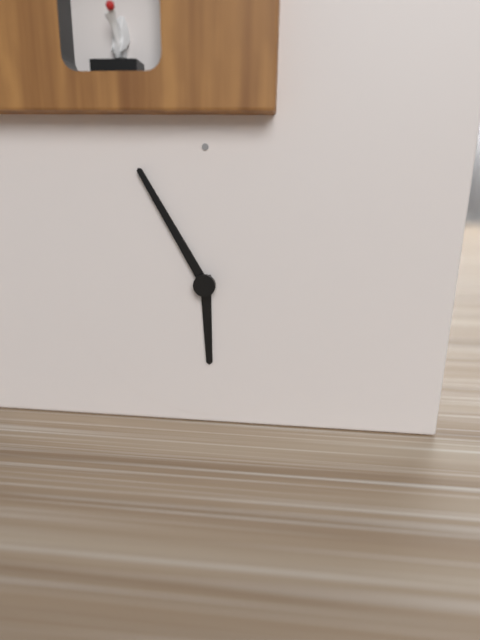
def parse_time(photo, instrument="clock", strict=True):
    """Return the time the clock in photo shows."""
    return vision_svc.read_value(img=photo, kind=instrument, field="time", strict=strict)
5:55
